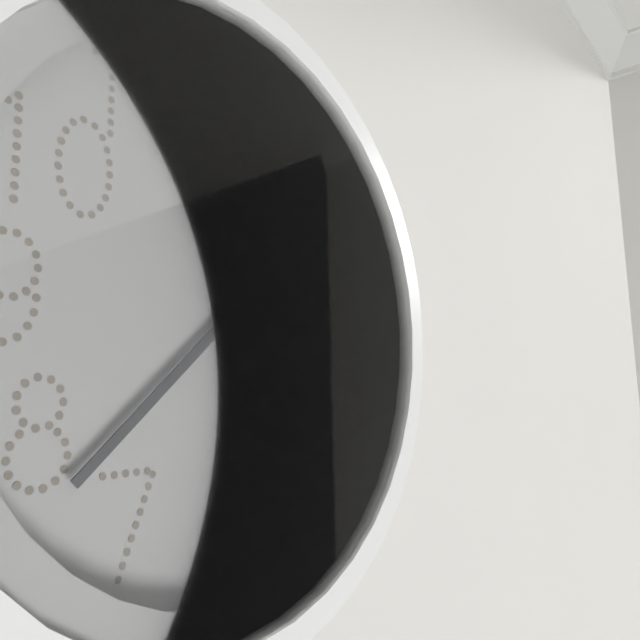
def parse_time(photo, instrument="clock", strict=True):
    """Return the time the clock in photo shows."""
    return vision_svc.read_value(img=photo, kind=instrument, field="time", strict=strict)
12:38
